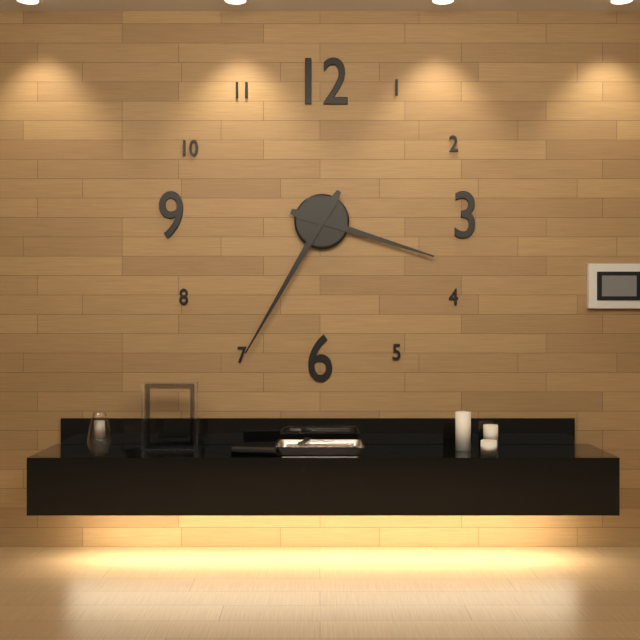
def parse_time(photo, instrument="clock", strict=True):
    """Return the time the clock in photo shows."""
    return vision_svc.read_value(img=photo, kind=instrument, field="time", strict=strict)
3:35
